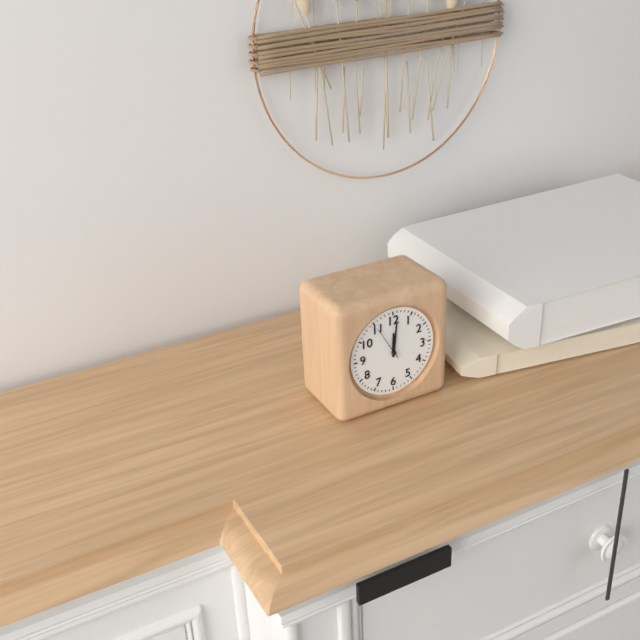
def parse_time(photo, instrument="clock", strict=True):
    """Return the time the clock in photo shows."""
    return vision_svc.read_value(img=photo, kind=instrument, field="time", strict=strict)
12:01
